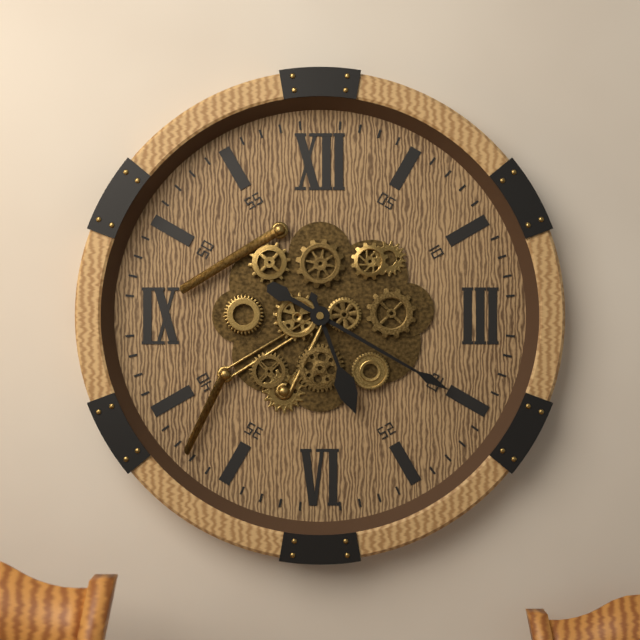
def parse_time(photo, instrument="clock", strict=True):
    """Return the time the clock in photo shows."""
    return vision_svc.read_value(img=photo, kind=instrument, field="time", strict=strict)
5:20
